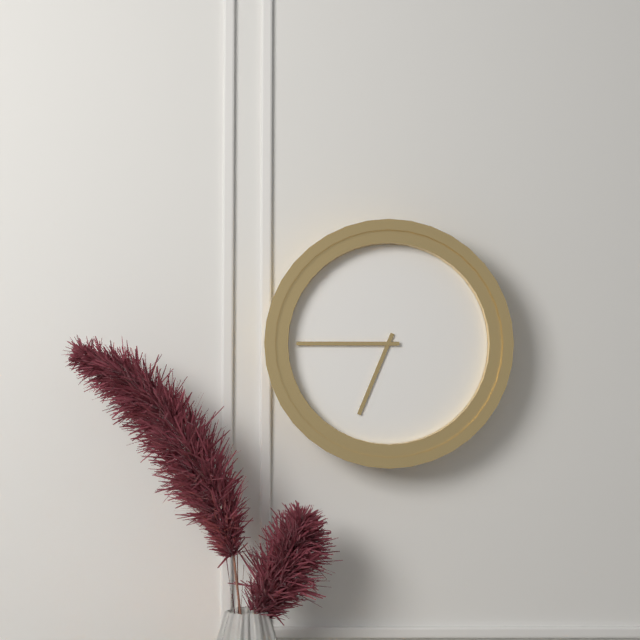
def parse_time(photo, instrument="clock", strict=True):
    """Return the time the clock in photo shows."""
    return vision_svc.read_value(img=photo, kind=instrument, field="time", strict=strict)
6:45
